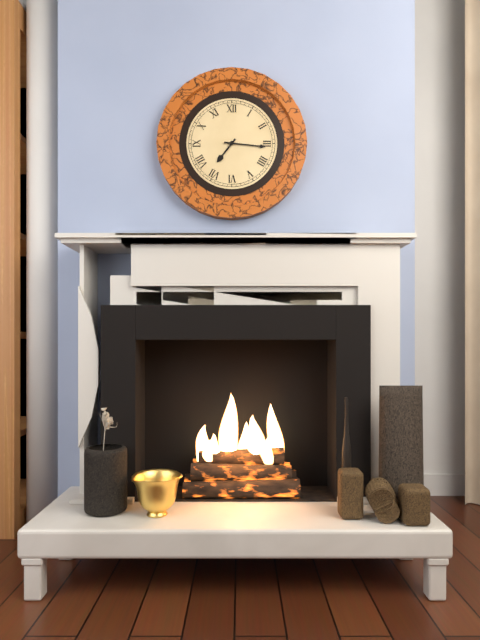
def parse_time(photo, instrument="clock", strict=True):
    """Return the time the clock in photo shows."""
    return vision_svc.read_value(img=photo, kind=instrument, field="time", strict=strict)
7:16
